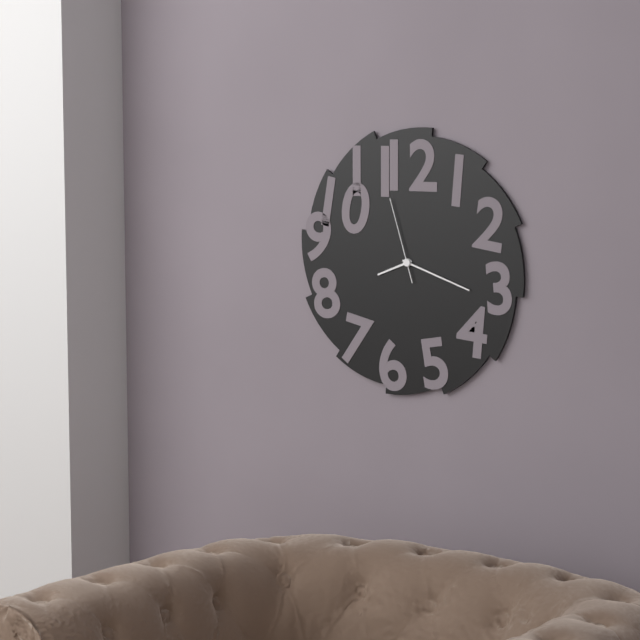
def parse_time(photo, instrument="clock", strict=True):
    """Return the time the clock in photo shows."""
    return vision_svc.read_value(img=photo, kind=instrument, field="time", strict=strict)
8:18:57
